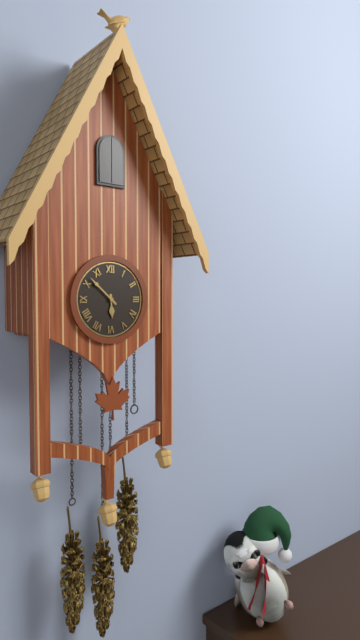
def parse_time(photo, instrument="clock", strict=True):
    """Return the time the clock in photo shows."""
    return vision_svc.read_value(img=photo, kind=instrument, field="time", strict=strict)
5:52
